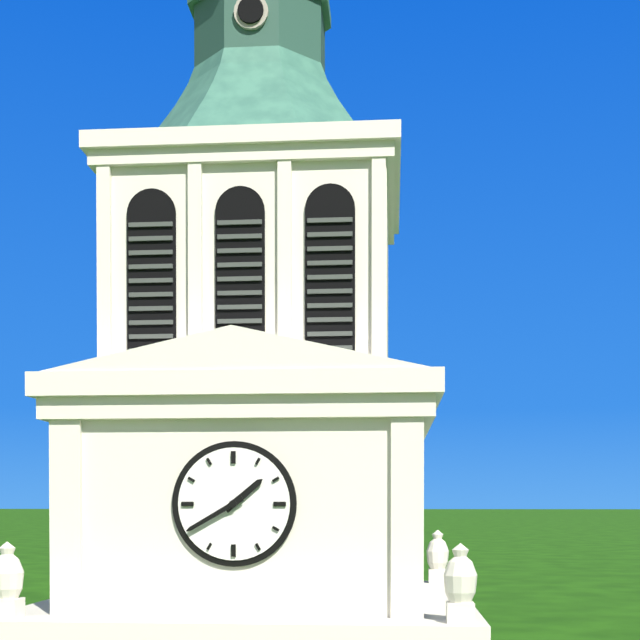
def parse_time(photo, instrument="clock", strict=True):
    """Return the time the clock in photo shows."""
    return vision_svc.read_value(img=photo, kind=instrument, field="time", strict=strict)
1:40
